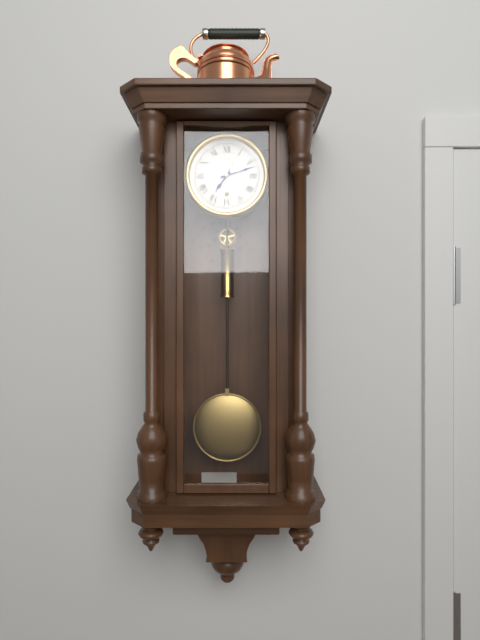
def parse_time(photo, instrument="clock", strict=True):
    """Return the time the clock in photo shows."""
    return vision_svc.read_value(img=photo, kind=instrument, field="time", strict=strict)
7:12
